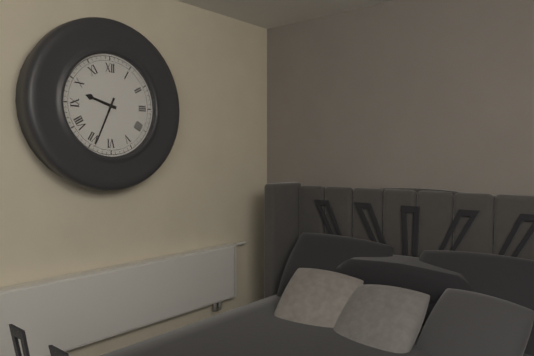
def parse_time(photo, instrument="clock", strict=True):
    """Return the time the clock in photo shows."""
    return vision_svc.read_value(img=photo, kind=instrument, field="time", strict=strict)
9:34
